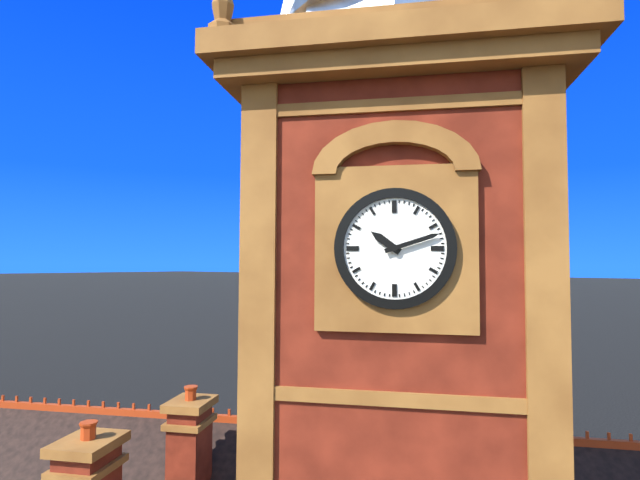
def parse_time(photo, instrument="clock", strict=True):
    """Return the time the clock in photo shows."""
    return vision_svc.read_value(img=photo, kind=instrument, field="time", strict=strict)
10:12
